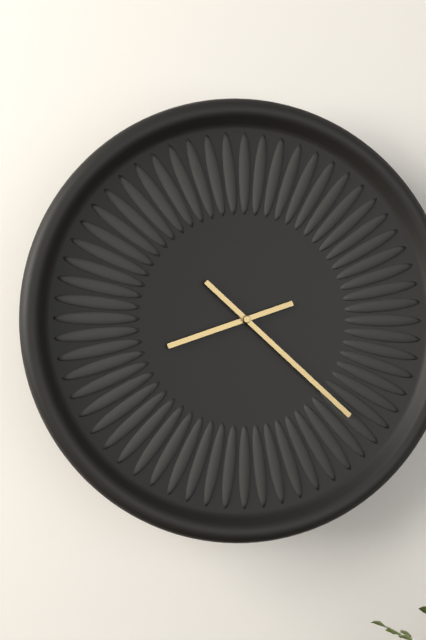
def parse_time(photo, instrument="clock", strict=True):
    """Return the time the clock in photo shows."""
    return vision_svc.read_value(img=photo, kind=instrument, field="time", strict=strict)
8:22
